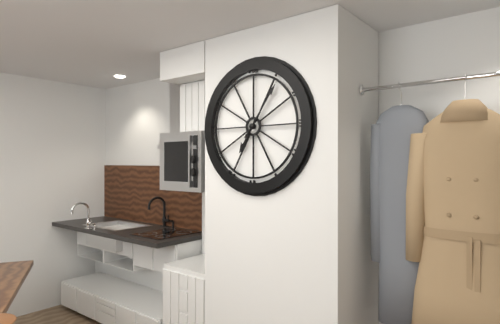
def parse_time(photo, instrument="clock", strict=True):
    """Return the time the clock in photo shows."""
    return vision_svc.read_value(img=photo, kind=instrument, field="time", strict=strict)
7:06
